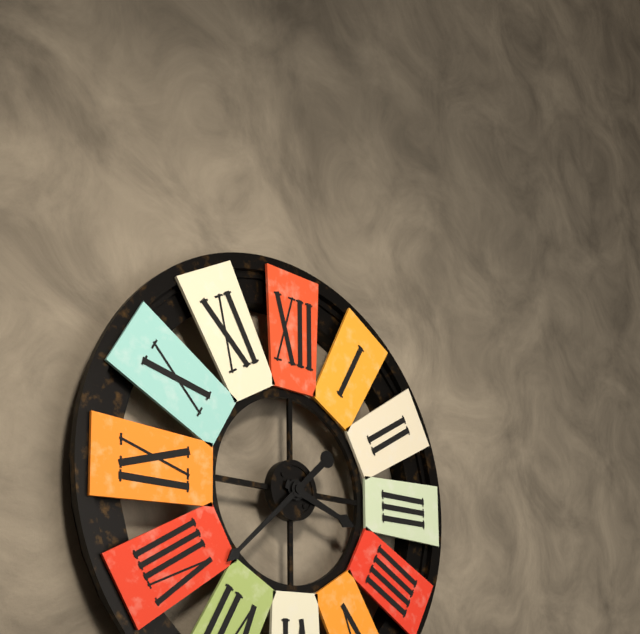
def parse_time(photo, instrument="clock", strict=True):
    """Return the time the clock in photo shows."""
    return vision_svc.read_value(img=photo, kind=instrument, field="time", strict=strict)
3:38
